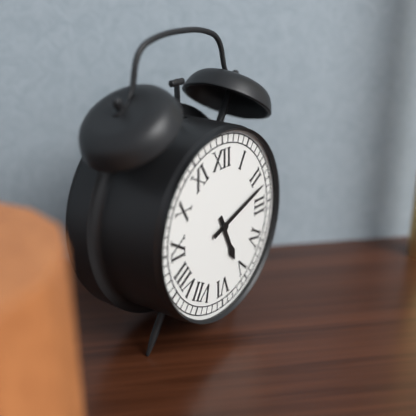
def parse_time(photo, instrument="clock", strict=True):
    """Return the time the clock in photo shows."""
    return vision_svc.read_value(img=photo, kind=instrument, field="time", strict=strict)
5:12
